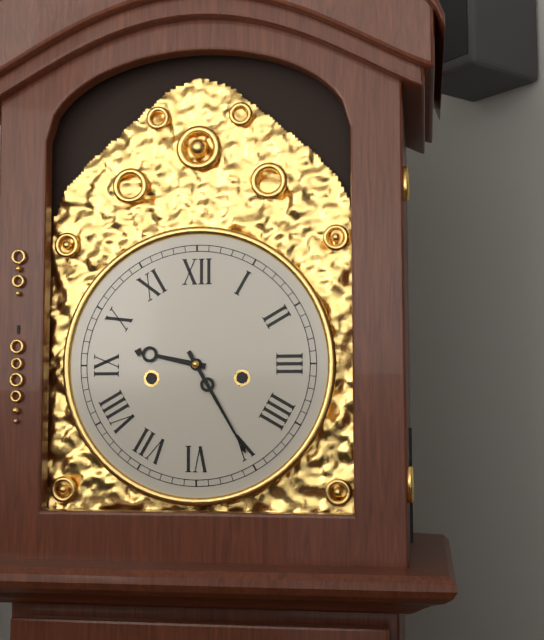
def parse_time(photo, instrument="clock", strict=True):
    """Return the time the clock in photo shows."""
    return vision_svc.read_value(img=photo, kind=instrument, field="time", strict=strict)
9:25
